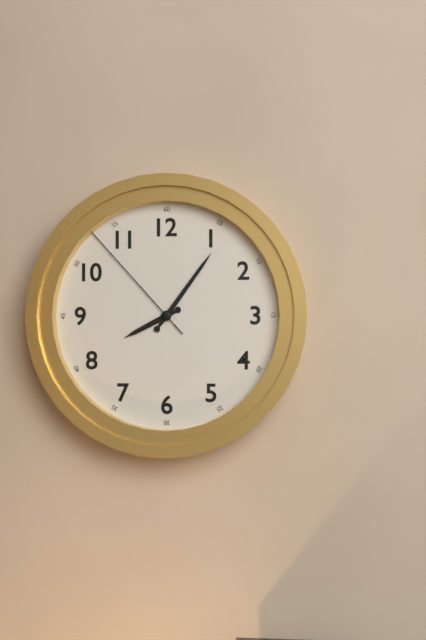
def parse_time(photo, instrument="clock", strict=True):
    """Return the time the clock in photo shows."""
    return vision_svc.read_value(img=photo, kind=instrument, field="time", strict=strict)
8:06:53
